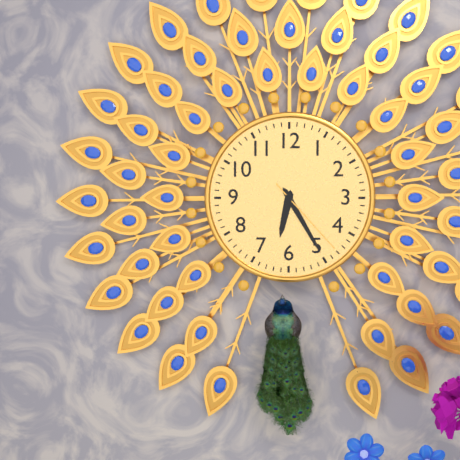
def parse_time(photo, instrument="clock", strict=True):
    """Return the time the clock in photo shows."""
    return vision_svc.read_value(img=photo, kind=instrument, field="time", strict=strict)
6:25:23
